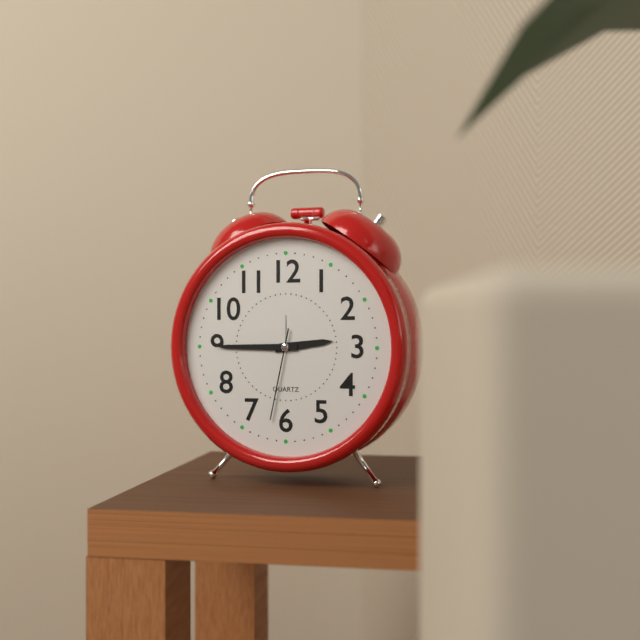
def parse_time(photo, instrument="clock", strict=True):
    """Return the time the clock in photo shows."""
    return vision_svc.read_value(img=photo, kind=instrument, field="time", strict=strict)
2:45:32
